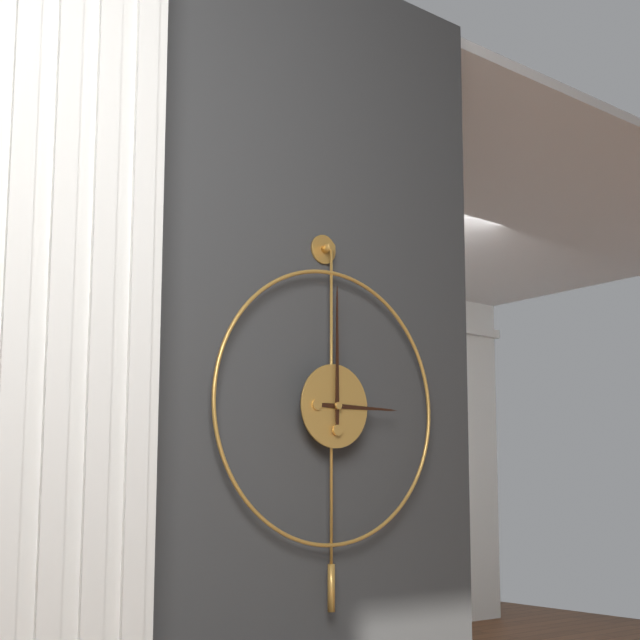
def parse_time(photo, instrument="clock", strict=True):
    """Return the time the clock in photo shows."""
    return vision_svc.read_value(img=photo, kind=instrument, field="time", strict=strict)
3:00
